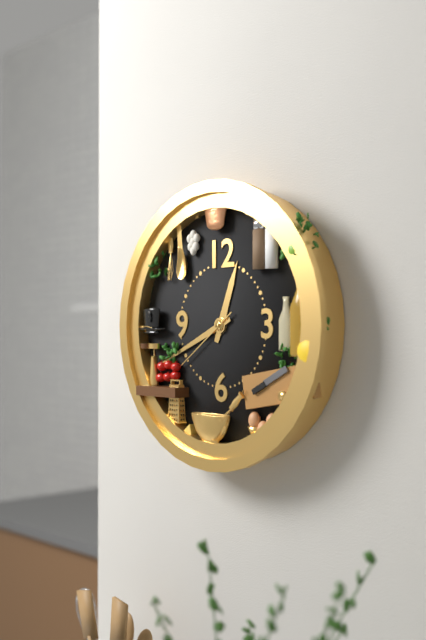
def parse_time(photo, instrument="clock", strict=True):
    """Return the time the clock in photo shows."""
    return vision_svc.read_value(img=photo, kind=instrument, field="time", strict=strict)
12:41:39
